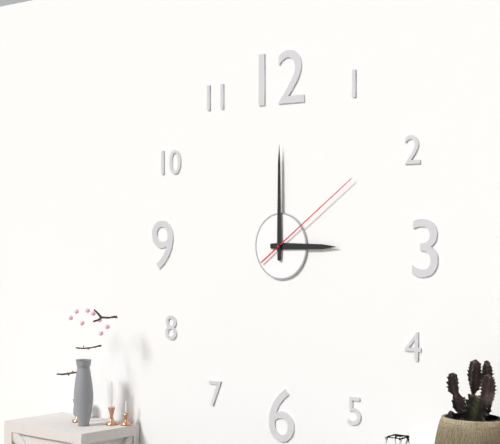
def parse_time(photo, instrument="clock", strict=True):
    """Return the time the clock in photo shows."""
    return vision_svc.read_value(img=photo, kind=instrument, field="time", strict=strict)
3:00:09
